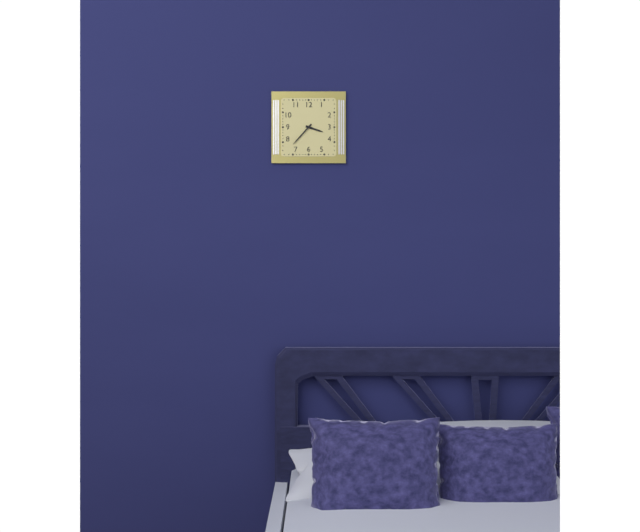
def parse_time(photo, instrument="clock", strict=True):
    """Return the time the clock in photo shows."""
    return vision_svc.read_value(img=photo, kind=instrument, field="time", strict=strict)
3:37
